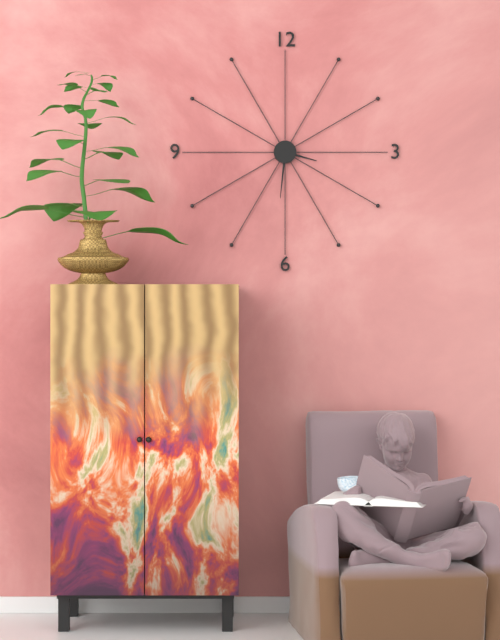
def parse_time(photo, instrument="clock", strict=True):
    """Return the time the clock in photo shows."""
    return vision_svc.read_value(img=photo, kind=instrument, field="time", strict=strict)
3:31
